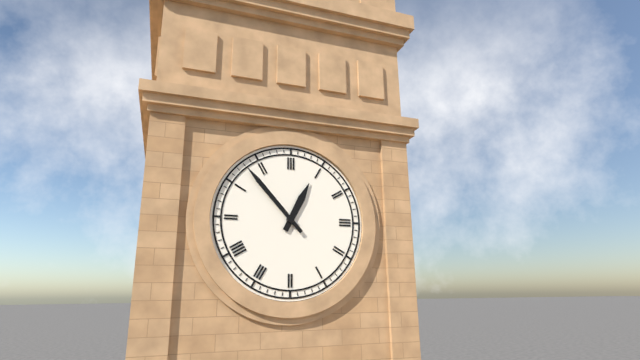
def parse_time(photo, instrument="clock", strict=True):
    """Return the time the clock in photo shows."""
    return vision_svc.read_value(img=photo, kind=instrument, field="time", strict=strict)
12:53
